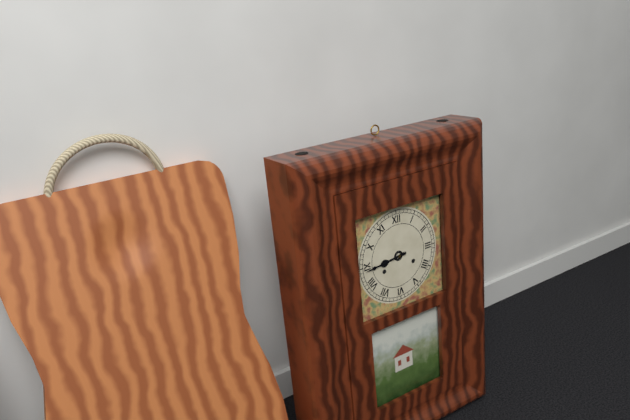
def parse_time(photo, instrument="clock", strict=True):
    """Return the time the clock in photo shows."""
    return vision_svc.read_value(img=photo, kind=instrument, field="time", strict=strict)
8:44
